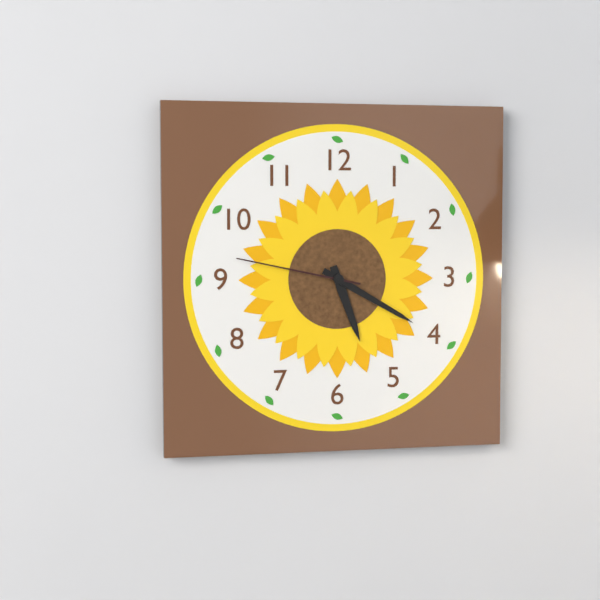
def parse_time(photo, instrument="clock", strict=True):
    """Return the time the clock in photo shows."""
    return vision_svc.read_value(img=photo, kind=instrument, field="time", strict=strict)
5:20:47
